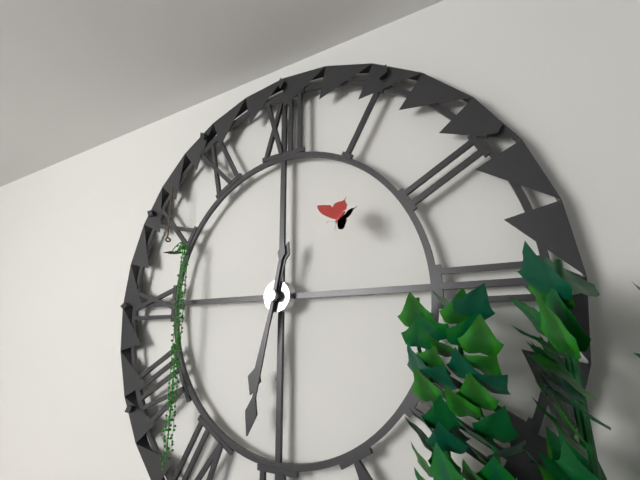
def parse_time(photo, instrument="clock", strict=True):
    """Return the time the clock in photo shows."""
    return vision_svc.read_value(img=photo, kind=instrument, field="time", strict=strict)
6:32
